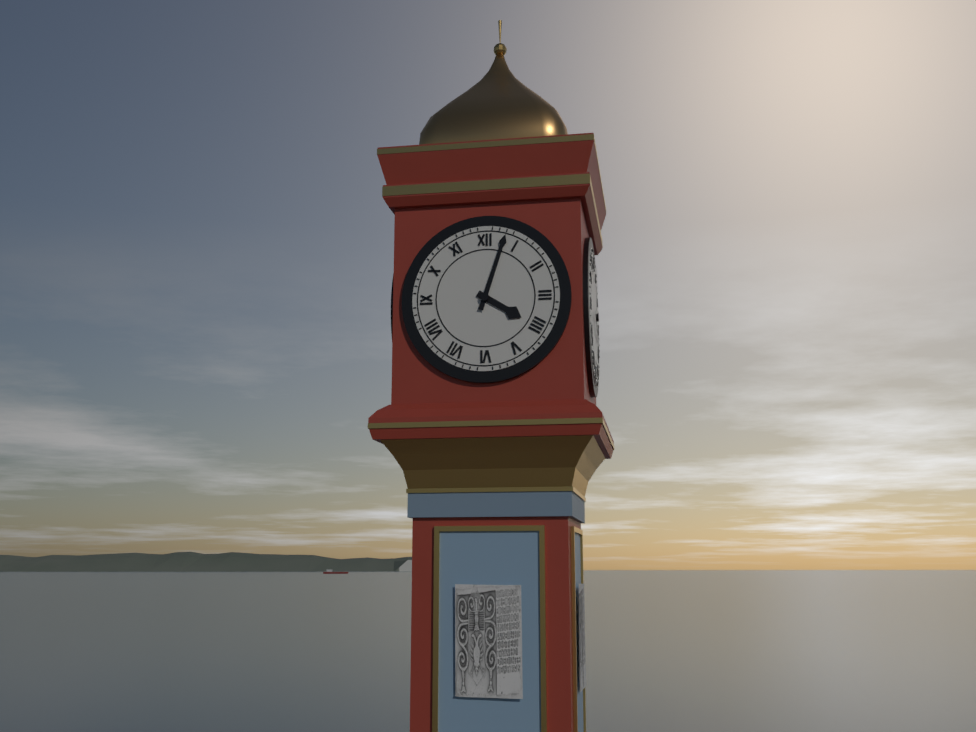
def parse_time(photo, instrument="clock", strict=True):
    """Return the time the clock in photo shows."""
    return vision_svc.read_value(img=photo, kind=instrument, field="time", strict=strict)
4:03
